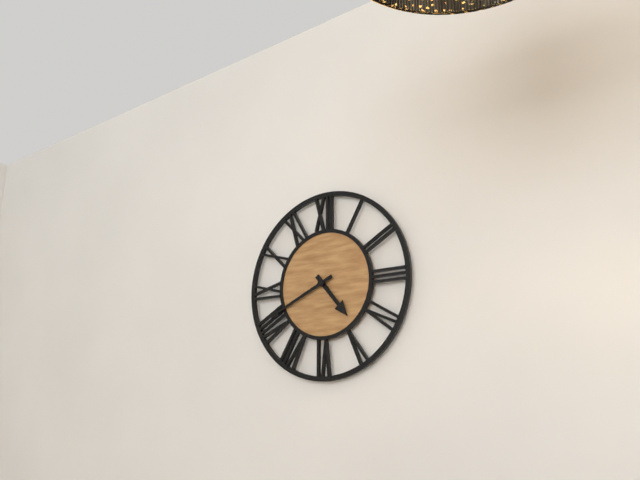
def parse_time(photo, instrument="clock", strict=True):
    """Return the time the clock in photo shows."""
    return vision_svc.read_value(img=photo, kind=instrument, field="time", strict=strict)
4:41
